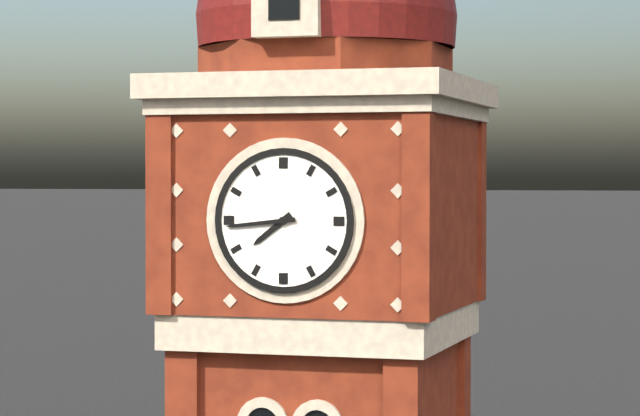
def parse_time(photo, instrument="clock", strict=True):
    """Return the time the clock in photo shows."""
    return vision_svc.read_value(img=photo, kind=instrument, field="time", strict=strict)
7:44
